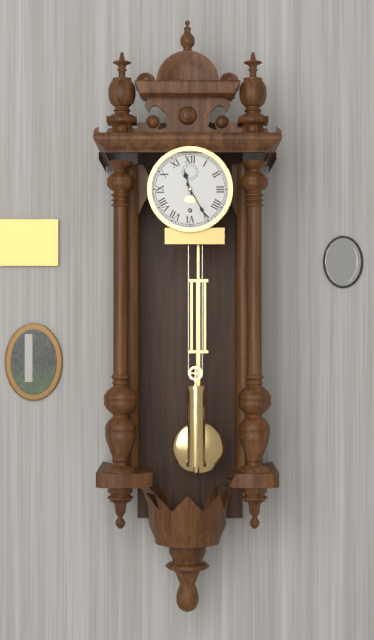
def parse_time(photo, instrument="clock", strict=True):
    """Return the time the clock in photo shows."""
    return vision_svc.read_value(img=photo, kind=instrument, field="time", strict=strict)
11:25
